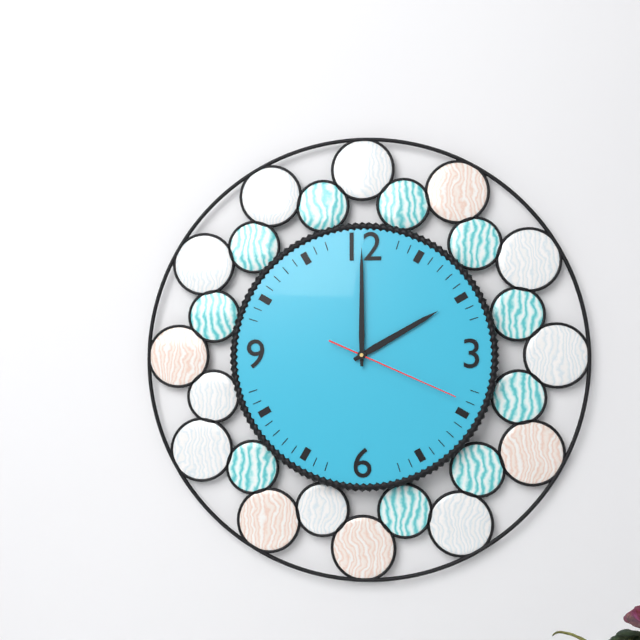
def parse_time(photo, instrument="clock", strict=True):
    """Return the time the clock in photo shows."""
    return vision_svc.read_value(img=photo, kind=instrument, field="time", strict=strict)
2:00:19
